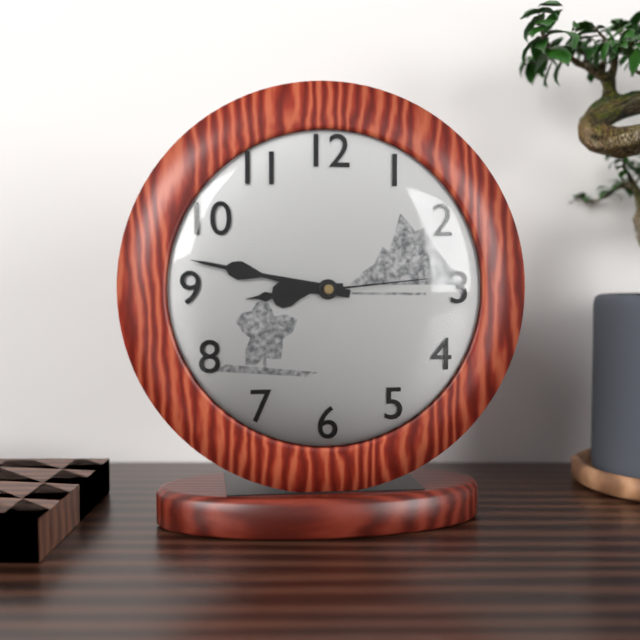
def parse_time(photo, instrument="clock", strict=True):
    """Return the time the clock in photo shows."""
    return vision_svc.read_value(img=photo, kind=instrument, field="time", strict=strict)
8:47:14
